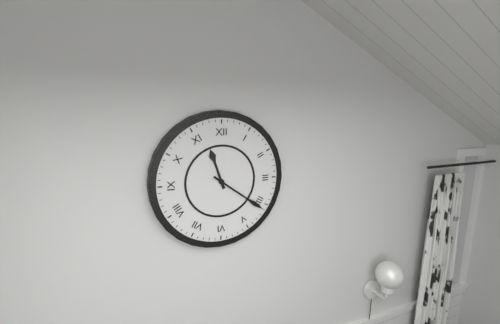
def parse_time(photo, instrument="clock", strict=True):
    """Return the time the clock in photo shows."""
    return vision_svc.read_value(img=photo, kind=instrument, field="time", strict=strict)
11:21
